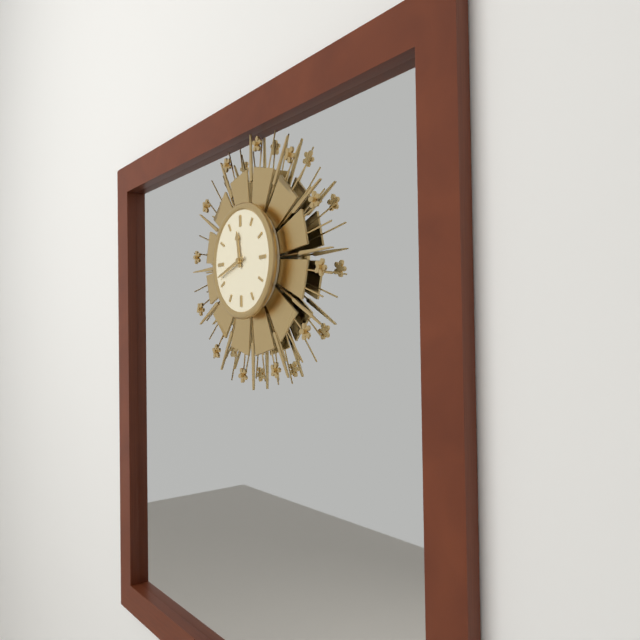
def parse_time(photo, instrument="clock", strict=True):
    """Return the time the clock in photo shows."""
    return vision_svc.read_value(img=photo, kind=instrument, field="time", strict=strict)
11:42
